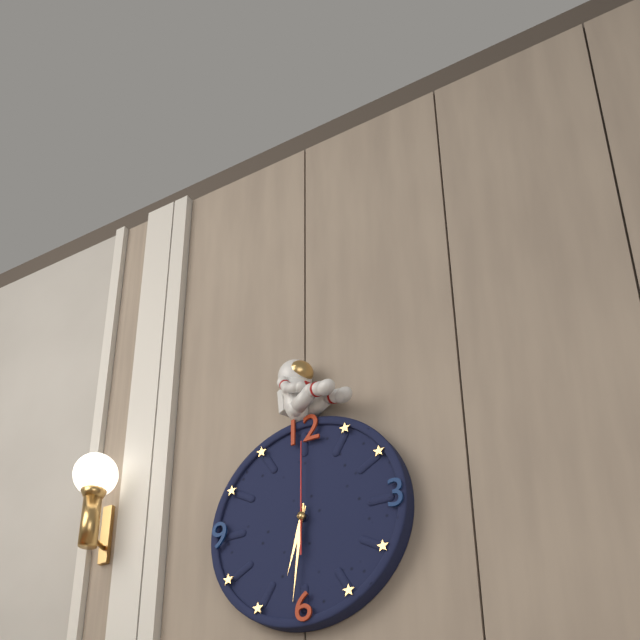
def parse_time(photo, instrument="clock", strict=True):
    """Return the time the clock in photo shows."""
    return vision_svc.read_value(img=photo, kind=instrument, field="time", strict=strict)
6:31:00
